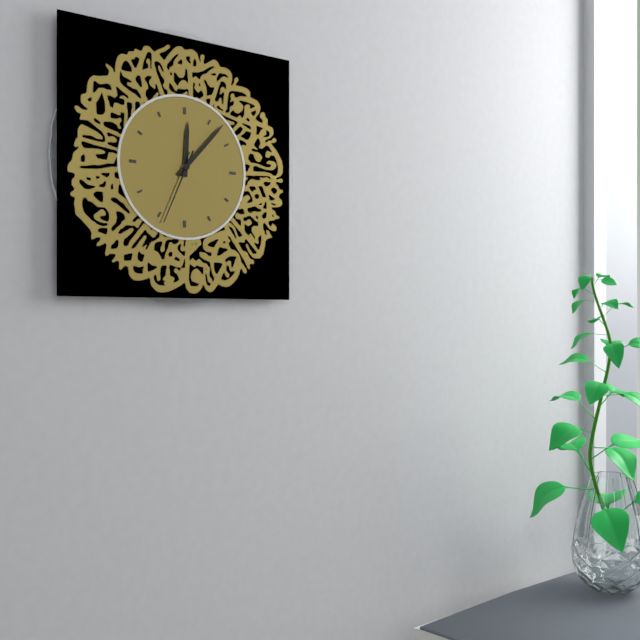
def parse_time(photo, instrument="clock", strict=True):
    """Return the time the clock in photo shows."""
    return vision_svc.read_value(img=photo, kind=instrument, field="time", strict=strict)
12:07:34
